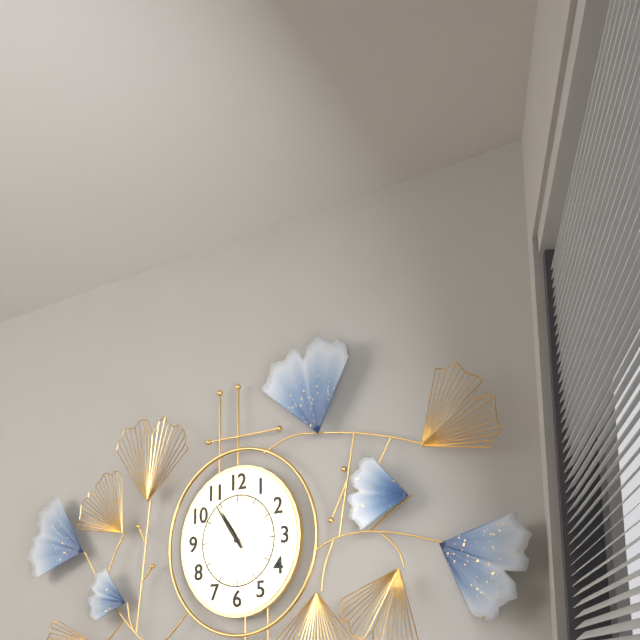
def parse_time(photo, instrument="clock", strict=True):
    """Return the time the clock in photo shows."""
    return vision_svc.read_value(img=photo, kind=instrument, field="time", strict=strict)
10:54
